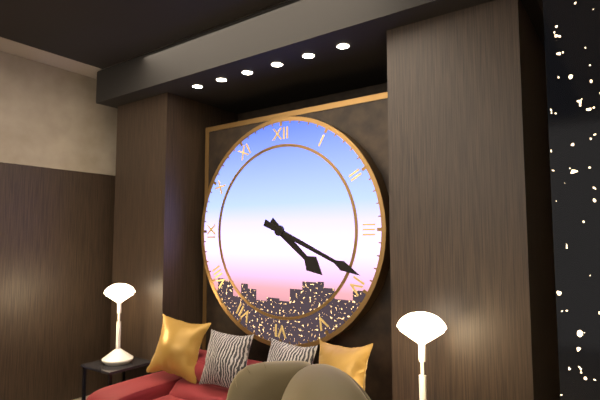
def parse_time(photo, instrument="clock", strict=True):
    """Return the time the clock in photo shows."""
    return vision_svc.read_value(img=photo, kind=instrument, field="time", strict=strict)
4:19
